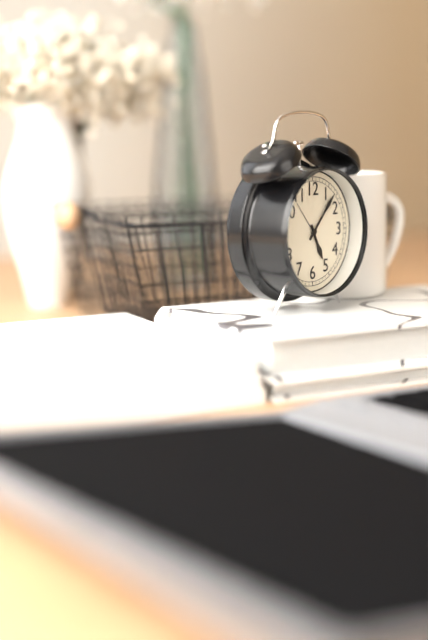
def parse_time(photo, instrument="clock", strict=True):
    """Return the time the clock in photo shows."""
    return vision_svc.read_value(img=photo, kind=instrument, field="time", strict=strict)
5:07
